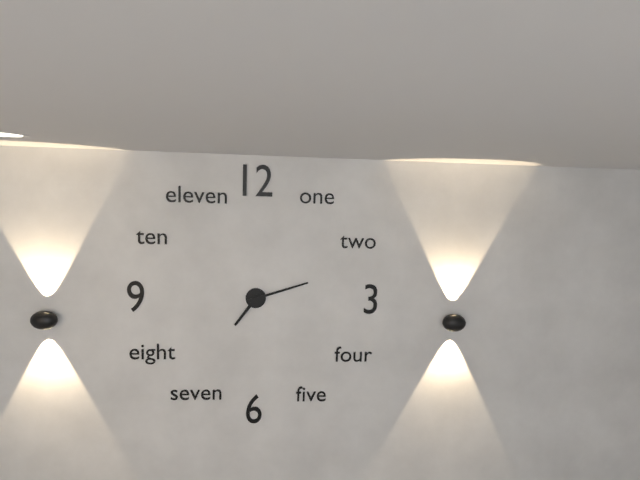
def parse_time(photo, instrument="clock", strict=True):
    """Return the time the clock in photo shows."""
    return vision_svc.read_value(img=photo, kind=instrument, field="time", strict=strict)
7:12
